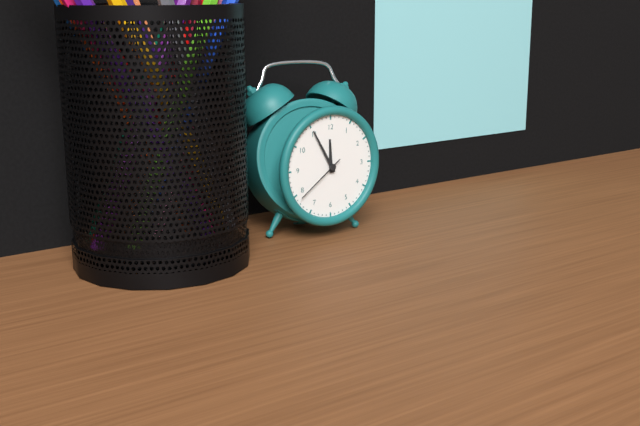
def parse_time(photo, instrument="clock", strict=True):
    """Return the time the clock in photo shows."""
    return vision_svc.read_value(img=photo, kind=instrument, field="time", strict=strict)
11:55:39
